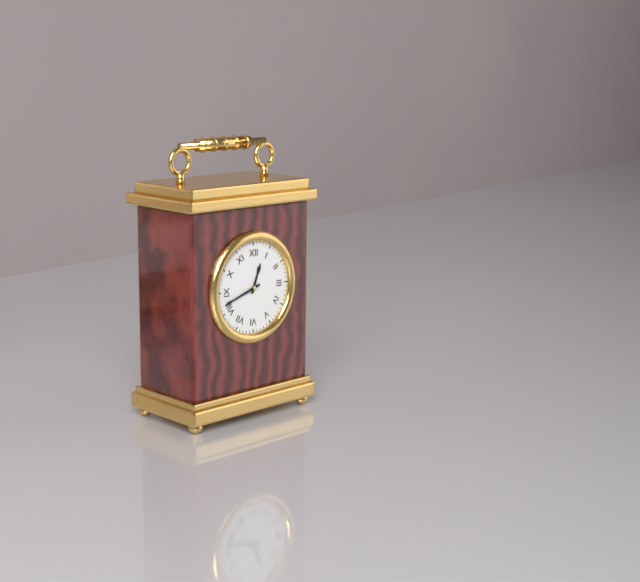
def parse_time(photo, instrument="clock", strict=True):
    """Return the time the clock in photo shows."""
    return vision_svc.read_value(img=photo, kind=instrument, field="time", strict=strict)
12:42
